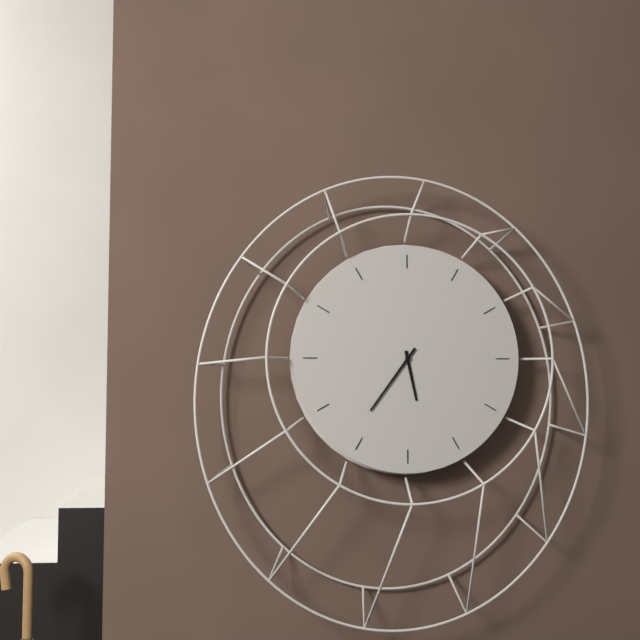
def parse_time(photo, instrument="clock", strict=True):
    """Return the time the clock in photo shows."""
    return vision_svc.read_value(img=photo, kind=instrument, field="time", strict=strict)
5:36
